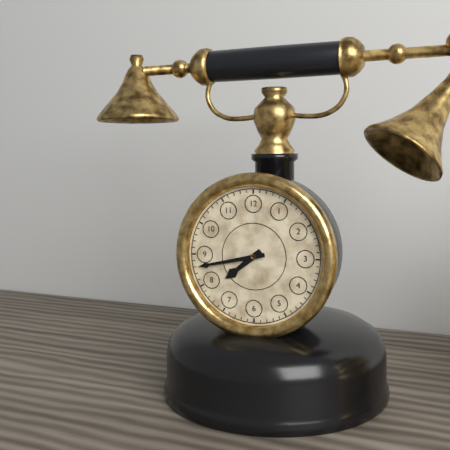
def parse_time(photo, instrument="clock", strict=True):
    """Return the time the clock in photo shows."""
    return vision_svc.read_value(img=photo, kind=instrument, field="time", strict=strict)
7:43
